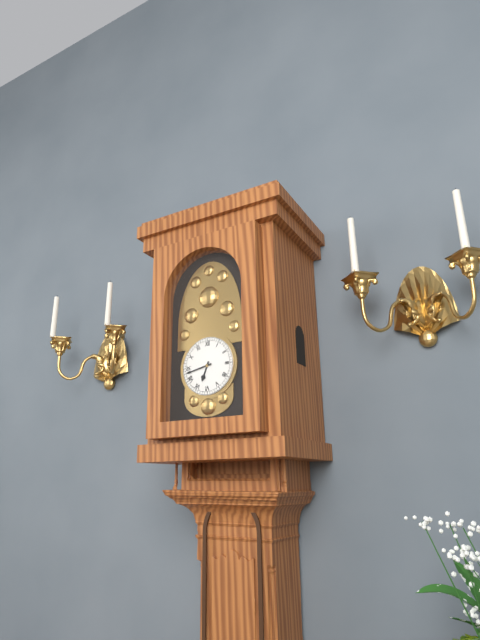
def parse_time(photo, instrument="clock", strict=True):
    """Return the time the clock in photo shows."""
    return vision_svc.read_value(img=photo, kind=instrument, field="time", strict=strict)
6:43
